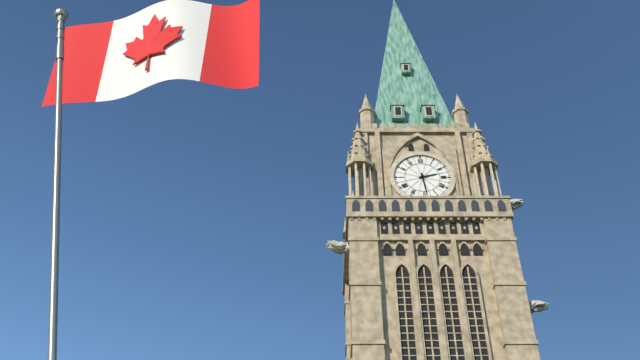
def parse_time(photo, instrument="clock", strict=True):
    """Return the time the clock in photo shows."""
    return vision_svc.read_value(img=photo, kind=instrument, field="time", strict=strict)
2:29
